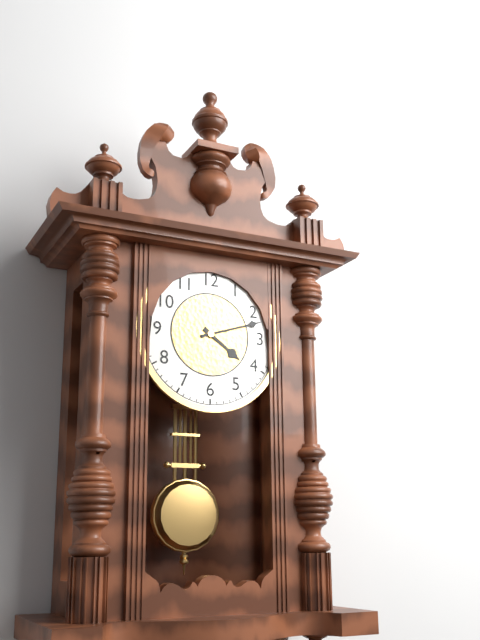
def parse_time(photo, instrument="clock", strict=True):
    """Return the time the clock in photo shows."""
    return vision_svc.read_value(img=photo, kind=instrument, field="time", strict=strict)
4:12
